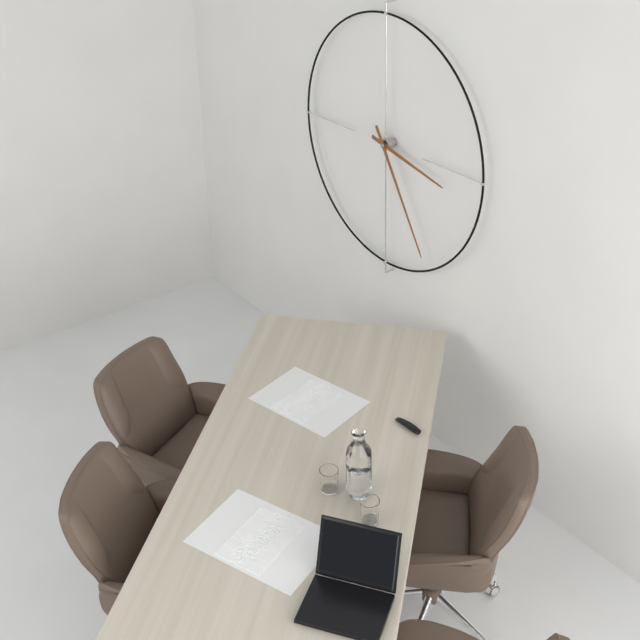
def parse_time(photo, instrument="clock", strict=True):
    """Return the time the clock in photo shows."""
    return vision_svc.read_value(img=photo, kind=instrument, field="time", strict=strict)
3:25
